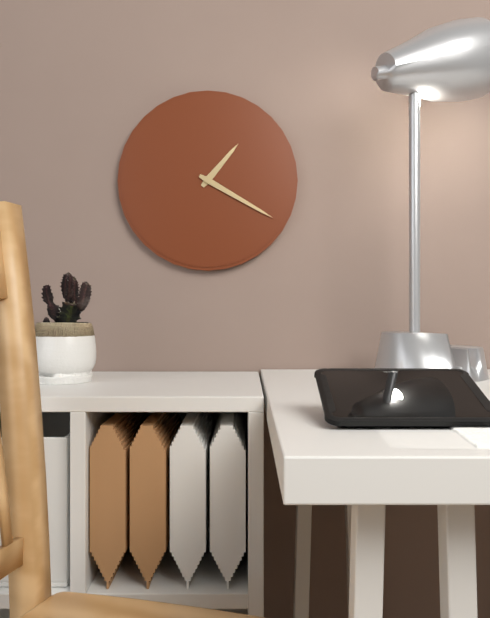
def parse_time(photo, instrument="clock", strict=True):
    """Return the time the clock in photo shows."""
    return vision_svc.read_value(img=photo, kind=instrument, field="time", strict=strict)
1:20
